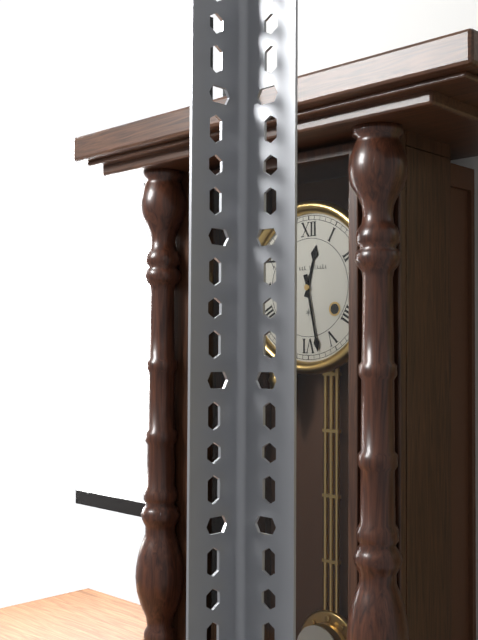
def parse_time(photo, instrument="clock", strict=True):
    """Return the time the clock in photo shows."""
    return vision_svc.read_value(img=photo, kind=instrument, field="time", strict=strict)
12:28
